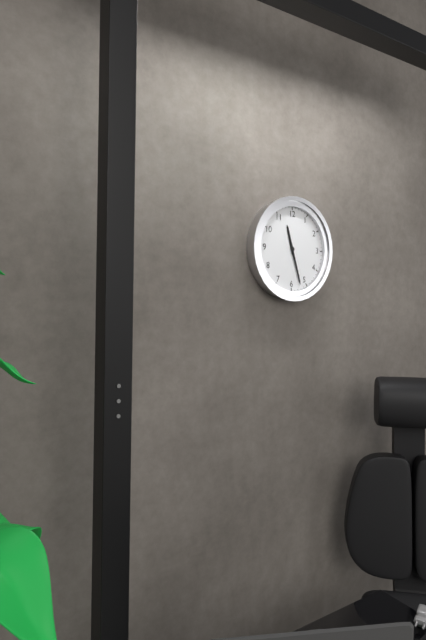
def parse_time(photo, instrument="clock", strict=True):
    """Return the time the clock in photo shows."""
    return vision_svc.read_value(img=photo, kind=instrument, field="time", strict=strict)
11:27
